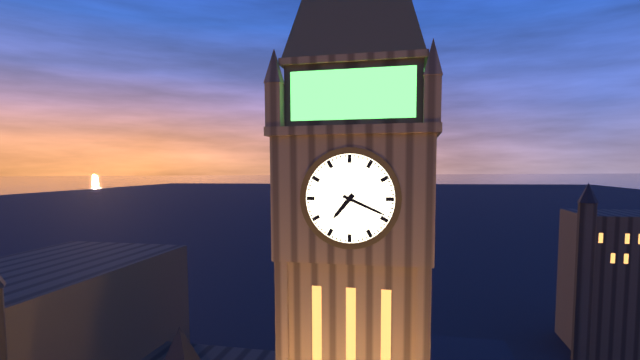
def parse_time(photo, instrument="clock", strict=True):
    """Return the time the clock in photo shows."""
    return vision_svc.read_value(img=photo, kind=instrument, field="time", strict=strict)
7:19
